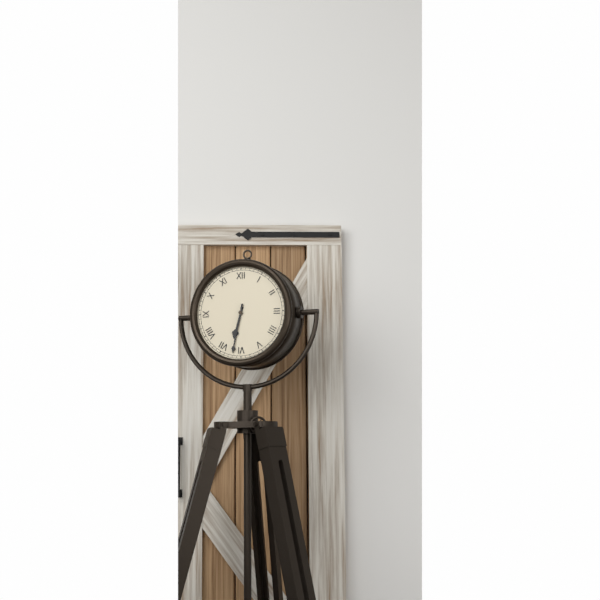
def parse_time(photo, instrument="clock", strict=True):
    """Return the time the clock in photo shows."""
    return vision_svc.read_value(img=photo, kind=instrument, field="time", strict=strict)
6:32
